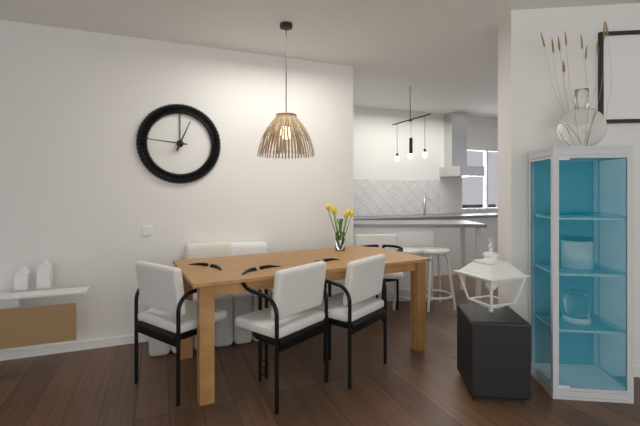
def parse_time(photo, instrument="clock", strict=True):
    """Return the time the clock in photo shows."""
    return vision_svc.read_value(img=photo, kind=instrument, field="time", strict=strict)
12:46
